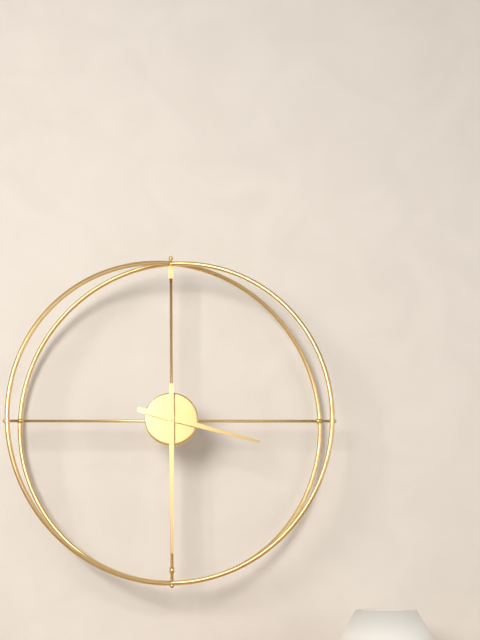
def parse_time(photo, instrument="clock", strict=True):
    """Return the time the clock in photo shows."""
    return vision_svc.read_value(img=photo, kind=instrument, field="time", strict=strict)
3:30
